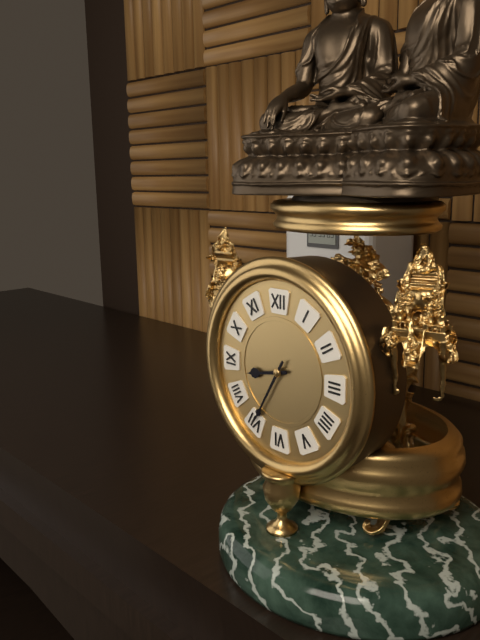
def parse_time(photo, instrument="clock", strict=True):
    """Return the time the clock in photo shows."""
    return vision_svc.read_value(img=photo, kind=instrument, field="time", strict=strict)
8:35
